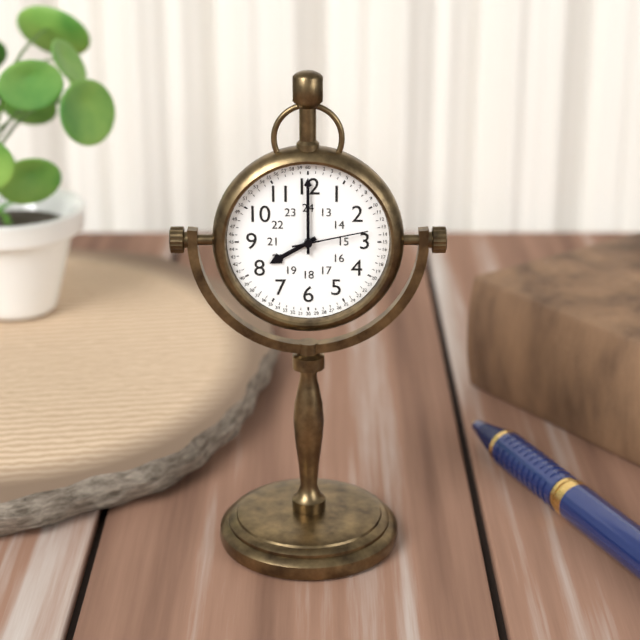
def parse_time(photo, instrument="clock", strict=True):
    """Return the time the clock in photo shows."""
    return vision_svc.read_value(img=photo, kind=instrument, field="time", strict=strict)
8:00:13
